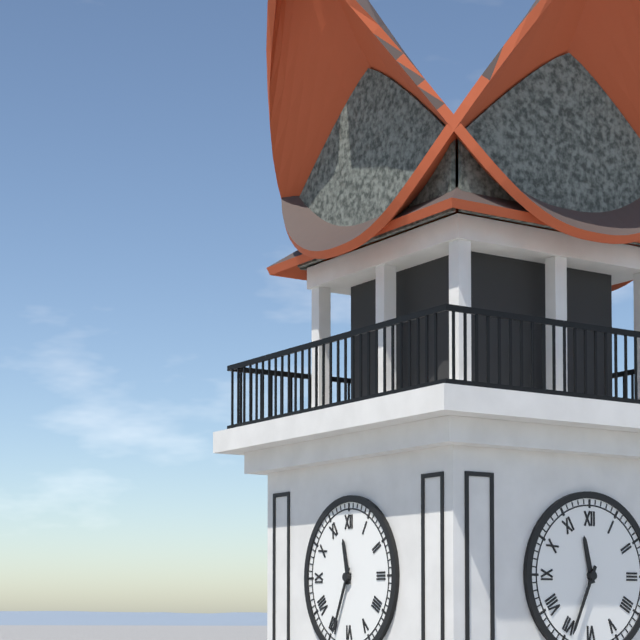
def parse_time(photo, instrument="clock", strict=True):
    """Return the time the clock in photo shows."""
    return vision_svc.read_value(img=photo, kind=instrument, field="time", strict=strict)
11:34
